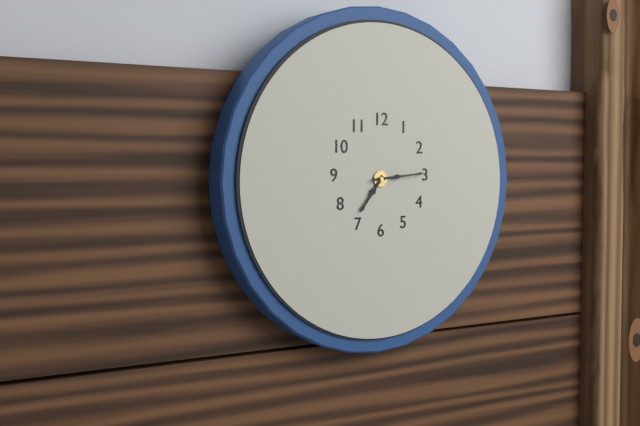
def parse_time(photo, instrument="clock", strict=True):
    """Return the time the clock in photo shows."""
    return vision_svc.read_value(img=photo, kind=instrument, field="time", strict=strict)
7:14
